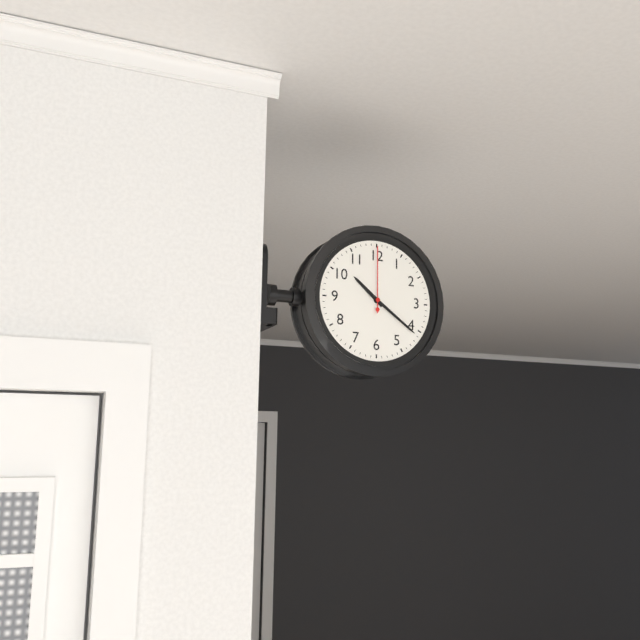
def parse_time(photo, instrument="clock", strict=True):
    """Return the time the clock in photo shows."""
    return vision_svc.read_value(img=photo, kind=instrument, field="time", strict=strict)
10:21:00
